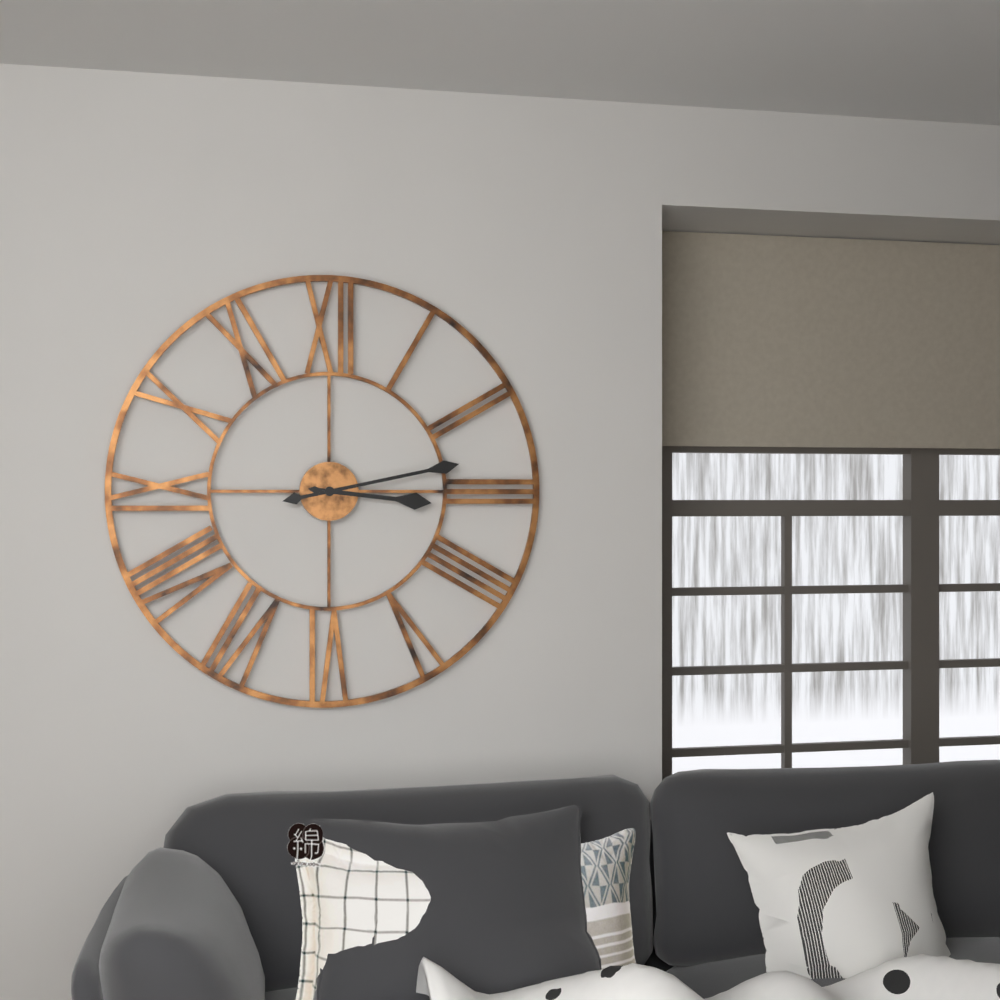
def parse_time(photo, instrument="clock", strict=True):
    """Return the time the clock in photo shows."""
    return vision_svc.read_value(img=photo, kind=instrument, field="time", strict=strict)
3:13
